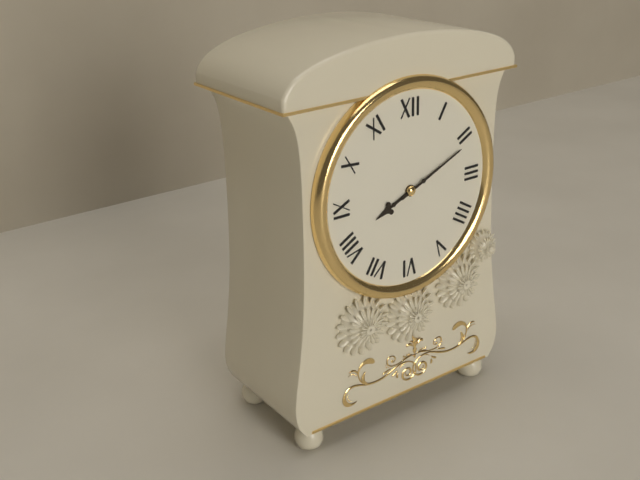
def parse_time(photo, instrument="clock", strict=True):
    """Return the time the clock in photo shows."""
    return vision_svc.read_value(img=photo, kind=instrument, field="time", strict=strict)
8:11
